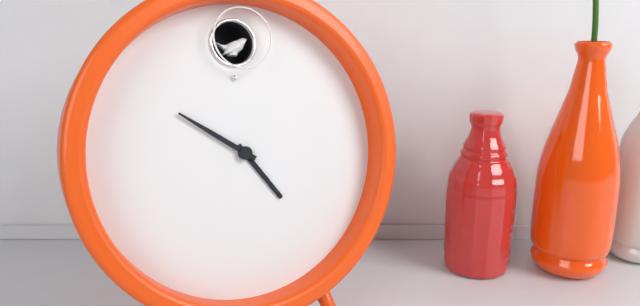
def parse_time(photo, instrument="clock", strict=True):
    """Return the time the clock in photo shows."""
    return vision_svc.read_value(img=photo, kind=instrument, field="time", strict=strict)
4:51
